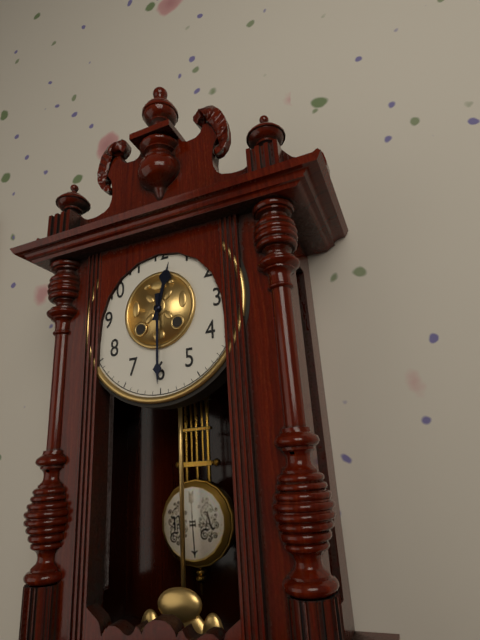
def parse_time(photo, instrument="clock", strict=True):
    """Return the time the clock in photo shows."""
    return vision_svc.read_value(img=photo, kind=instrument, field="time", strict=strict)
12:30
